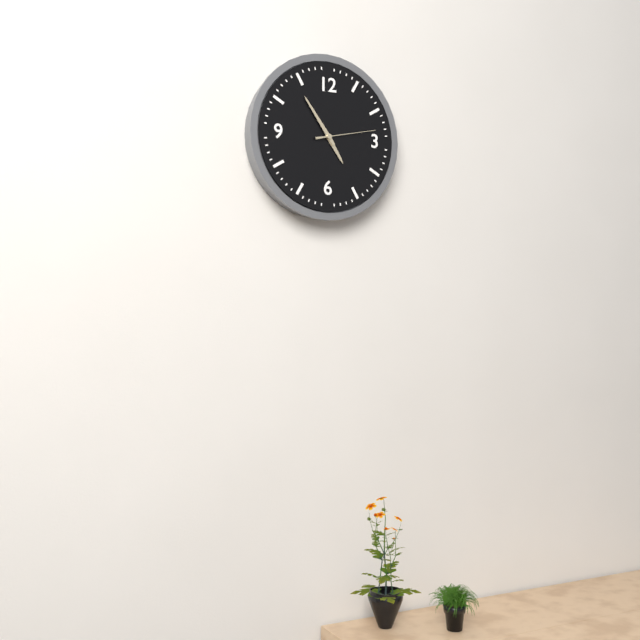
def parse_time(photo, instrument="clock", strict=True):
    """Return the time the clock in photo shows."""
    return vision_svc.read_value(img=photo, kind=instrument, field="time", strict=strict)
4:54:13
